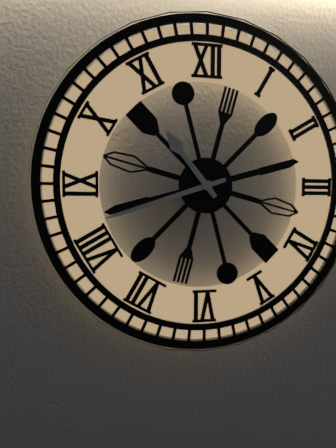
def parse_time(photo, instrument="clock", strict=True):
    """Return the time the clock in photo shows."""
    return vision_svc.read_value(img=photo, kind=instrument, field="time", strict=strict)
10:42
